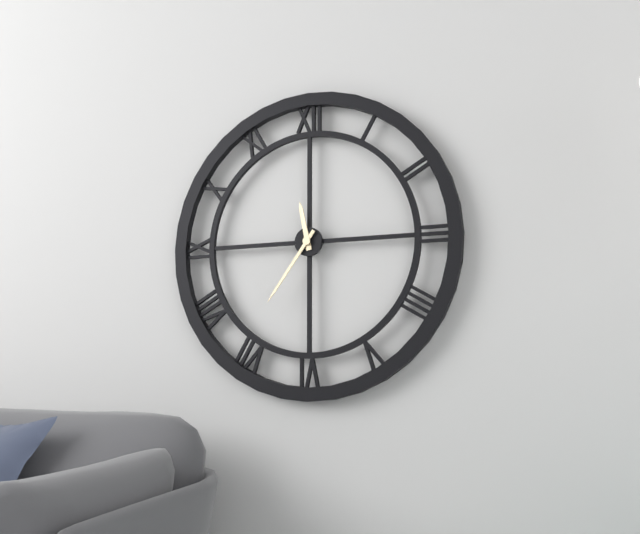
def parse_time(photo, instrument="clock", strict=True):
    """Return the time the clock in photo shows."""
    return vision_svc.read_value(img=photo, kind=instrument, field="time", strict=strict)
11:36
